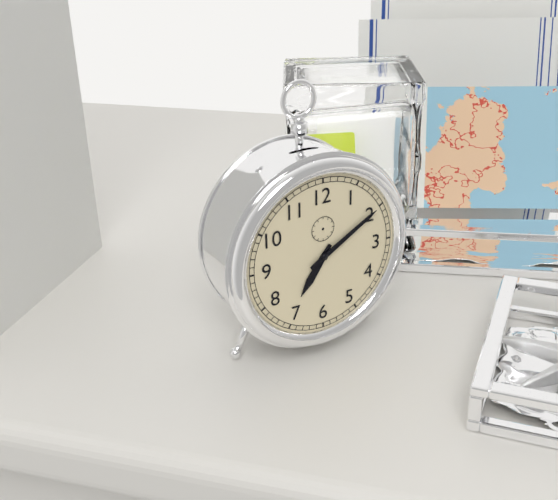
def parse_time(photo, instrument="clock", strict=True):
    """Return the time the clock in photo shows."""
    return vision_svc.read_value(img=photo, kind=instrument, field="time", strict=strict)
7:10
